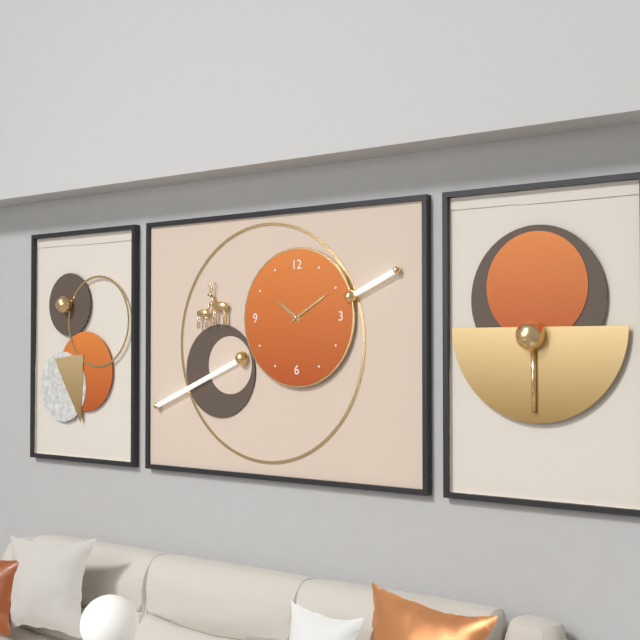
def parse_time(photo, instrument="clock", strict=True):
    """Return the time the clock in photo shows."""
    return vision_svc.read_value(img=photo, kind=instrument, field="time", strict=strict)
10:10
